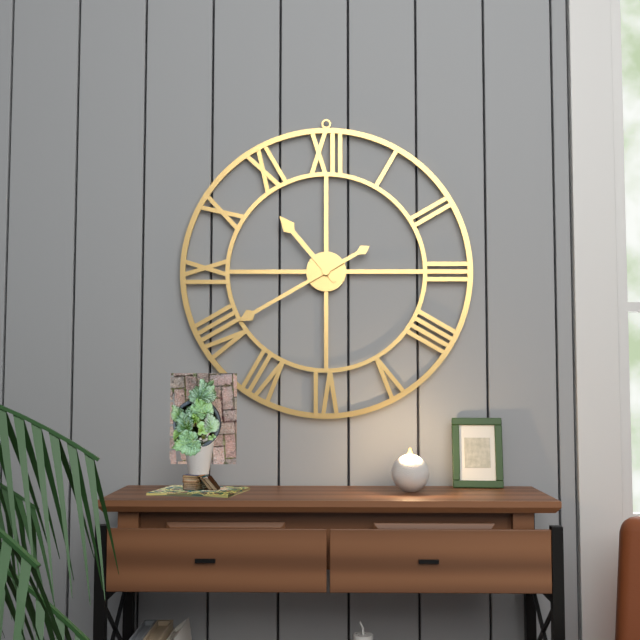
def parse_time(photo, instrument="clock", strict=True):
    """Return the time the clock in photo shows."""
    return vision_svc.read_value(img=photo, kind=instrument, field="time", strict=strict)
10:40
